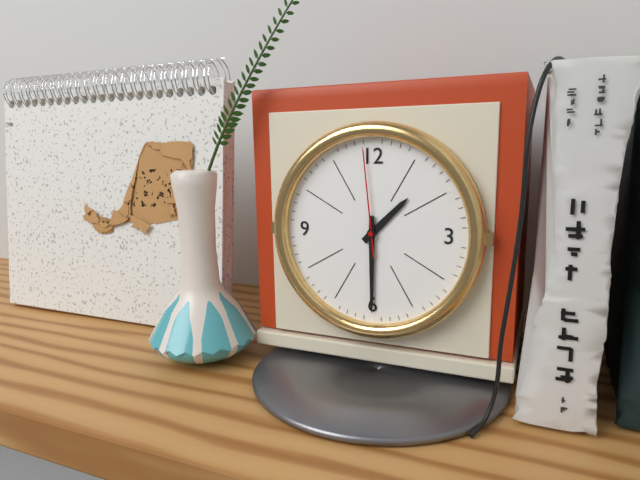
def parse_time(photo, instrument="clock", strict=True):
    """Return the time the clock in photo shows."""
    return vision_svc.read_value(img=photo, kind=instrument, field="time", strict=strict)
1:30:59
